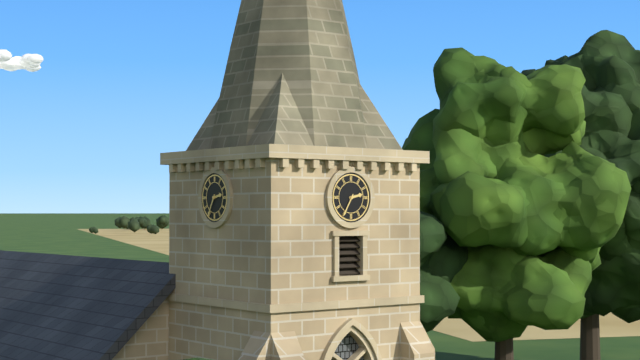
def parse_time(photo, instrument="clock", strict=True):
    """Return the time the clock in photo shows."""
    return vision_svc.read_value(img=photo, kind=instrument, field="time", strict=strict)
2:35
